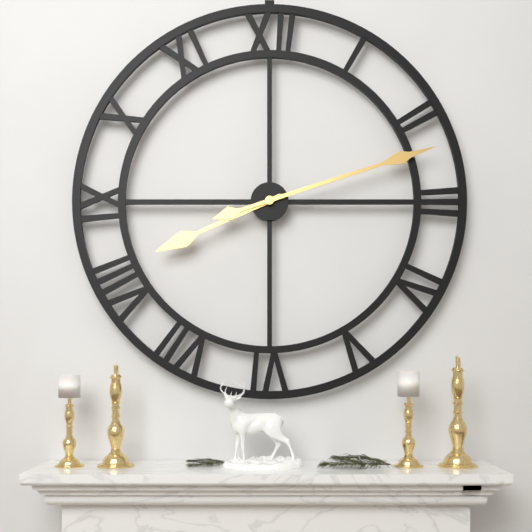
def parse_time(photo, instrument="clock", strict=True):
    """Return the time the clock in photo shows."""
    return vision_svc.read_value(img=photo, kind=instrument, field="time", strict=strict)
8:12
